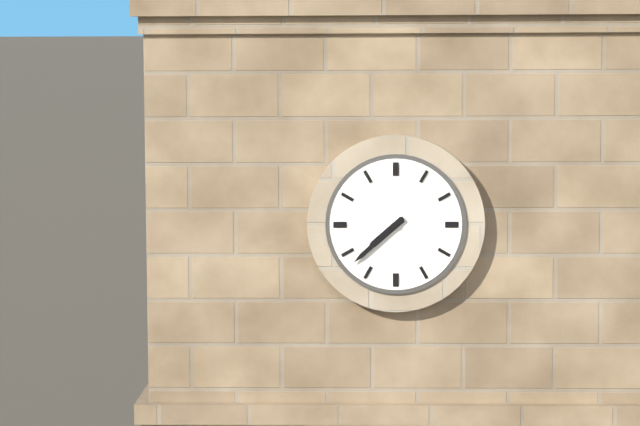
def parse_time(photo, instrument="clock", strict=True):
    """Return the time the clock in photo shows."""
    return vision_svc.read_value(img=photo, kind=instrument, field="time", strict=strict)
7:38
